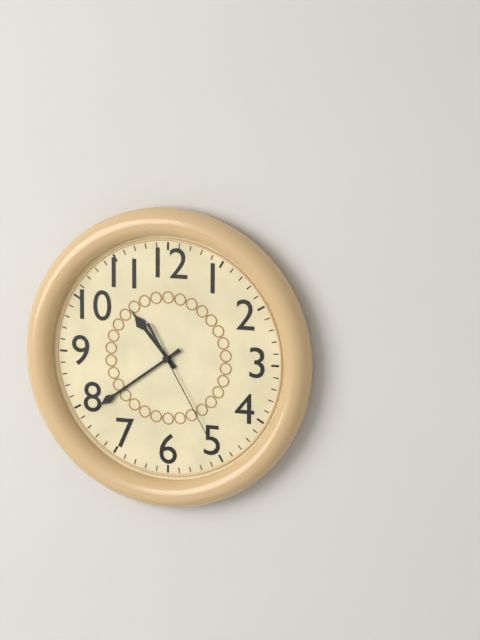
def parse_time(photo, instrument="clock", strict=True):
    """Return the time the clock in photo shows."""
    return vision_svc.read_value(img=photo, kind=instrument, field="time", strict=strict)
10:39:25
